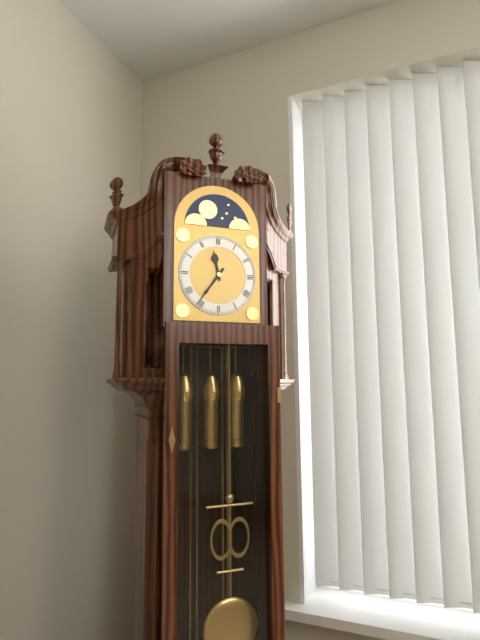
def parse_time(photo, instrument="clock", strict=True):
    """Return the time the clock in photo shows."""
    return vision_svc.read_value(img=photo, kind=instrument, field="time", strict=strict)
11:36
